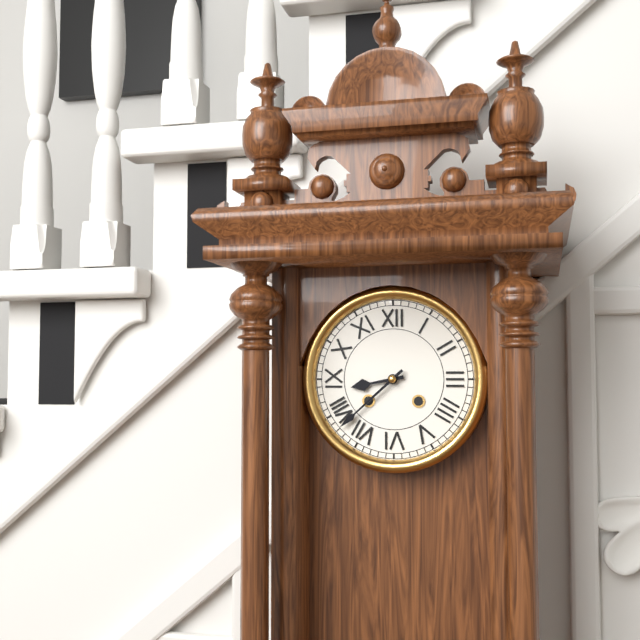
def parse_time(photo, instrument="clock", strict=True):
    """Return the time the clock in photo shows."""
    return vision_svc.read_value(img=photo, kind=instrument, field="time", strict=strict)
8:38
